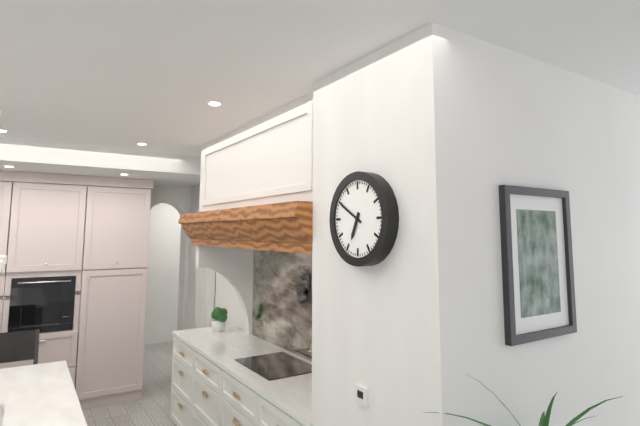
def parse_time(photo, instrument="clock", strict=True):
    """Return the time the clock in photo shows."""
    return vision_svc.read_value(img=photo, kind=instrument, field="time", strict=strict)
6:50
